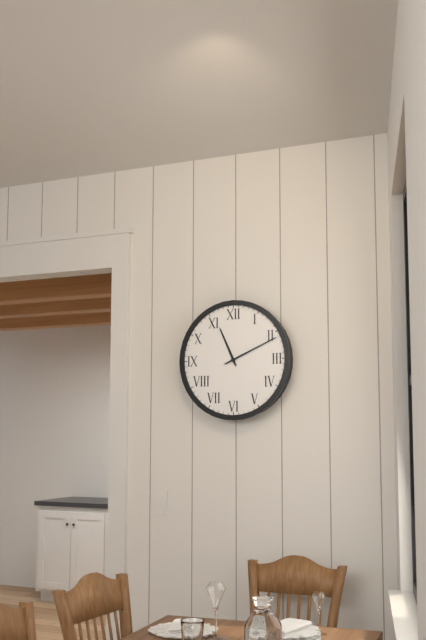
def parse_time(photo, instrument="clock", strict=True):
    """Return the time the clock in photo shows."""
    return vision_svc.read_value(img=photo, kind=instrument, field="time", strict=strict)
11:11
